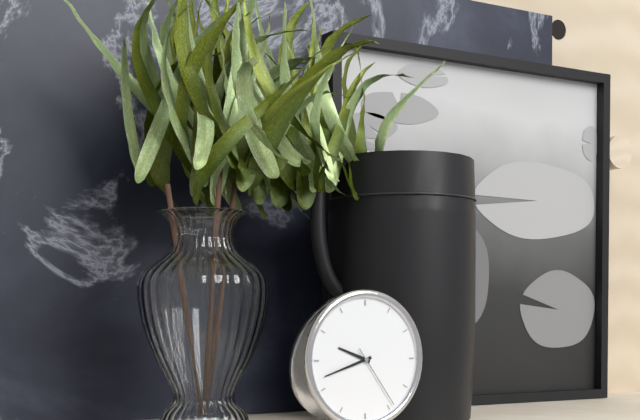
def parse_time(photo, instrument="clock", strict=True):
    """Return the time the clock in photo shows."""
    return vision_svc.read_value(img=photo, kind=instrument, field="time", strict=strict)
9:42:24
